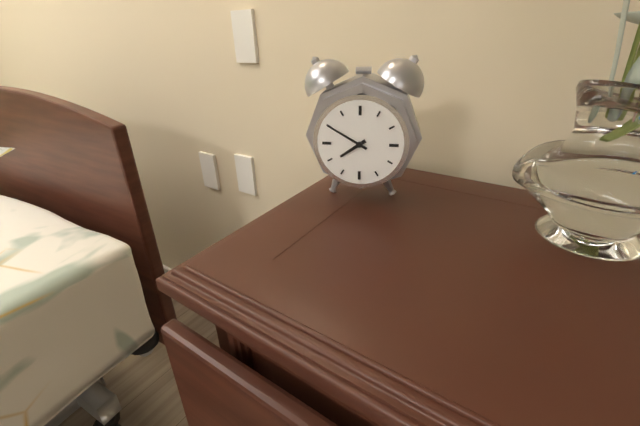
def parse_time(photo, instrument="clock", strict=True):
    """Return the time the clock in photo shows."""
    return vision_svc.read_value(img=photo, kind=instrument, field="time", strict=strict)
7:50
